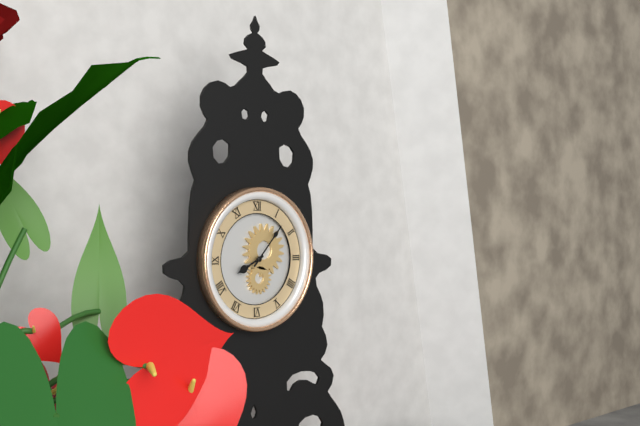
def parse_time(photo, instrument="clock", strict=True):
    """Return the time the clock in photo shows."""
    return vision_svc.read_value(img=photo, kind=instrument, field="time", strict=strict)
8:07
